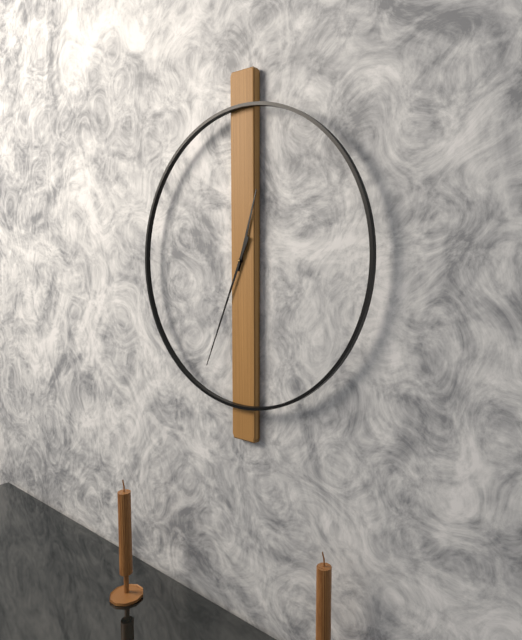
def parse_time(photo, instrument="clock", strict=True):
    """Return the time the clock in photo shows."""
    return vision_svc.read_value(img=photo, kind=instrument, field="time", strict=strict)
12:34
